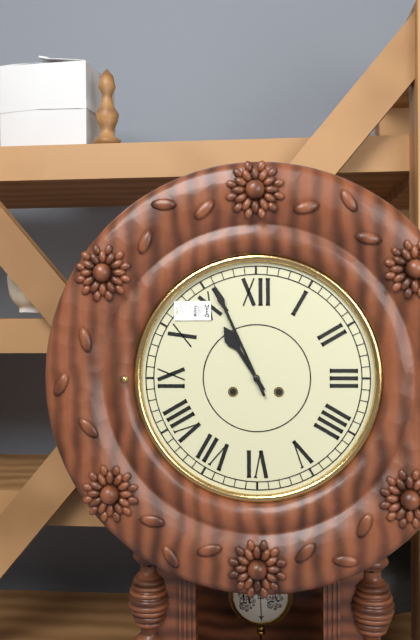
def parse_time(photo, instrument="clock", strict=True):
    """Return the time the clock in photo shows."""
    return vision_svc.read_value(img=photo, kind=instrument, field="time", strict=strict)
10:56
